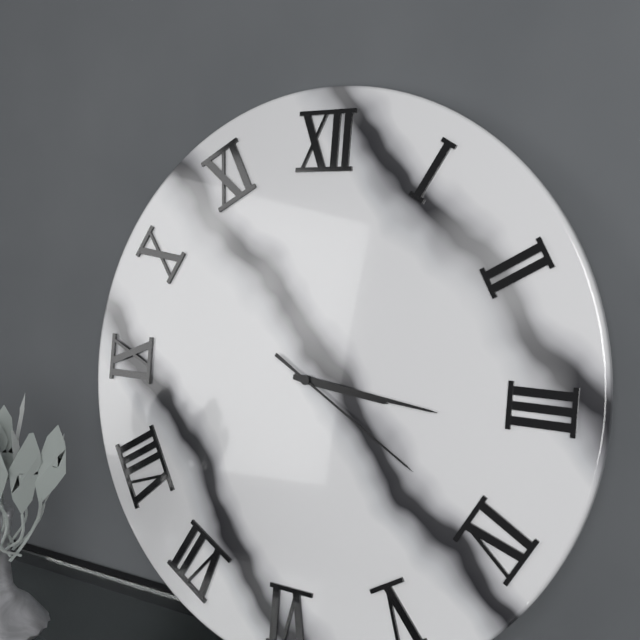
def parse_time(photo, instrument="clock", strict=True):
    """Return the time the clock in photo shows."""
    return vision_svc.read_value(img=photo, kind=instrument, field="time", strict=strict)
3:16:20
